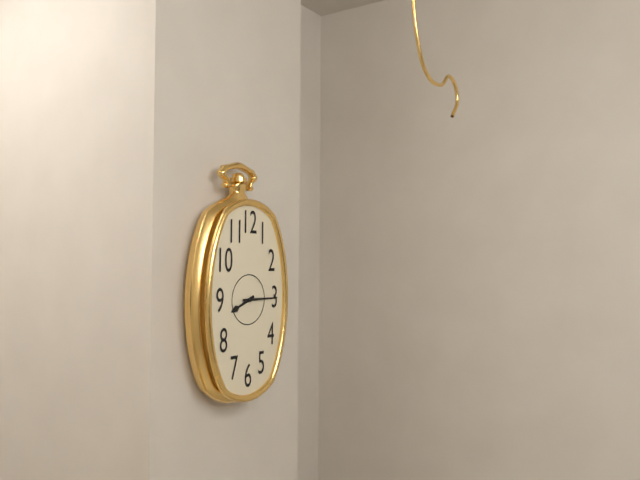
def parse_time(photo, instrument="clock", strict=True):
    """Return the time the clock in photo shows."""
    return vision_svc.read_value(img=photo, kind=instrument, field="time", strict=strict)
8:15
